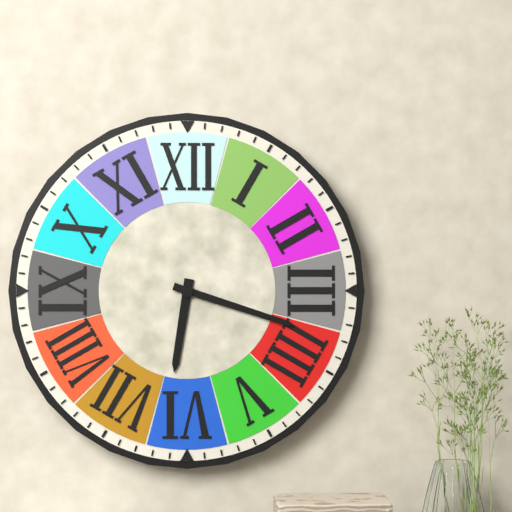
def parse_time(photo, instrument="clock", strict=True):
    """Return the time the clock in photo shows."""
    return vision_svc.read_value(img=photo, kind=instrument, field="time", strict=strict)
6:18
